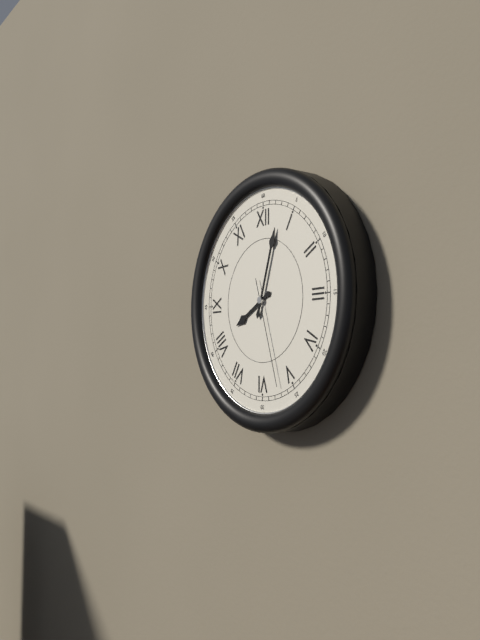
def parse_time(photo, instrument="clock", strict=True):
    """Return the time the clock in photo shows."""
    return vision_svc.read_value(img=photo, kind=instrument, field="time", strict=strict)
8:03:27
